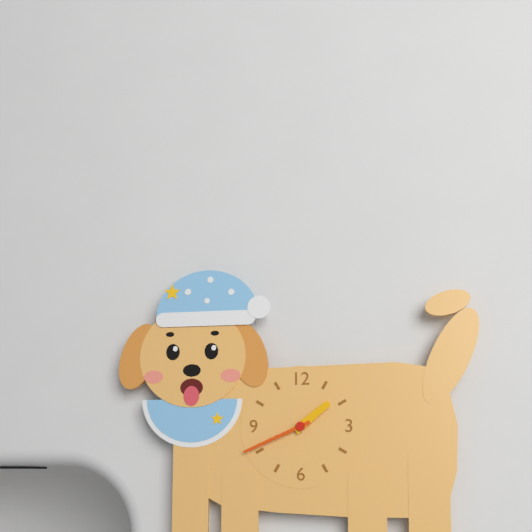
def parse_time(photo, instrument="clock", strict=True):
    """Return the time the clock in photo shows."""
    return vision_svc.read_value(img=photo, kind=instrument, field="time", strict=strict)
1:41
